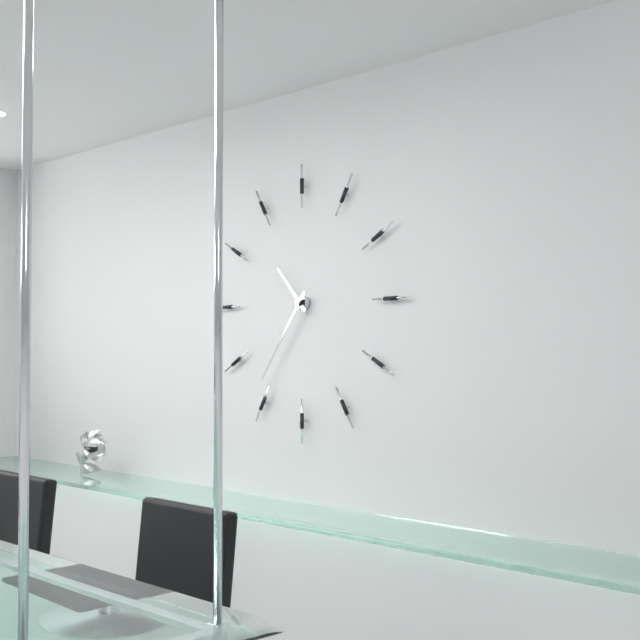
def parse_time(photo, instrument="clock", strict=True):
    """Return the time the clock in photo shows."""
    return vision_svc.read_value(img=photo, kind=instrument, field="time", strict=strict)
10:36
